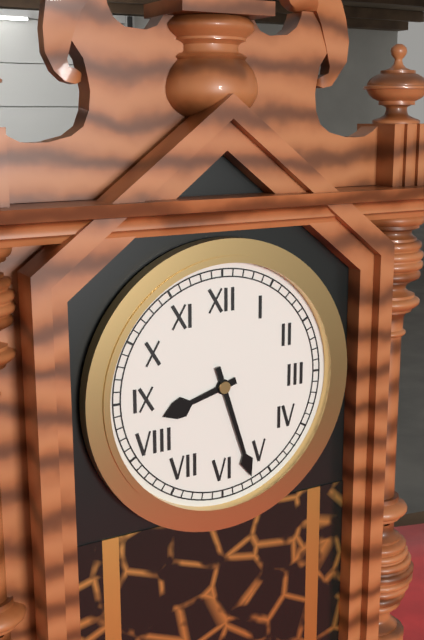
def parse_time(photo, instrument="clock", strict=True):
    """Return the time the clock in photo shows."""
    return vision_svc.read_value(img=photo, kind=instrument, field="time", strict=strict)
8:27
